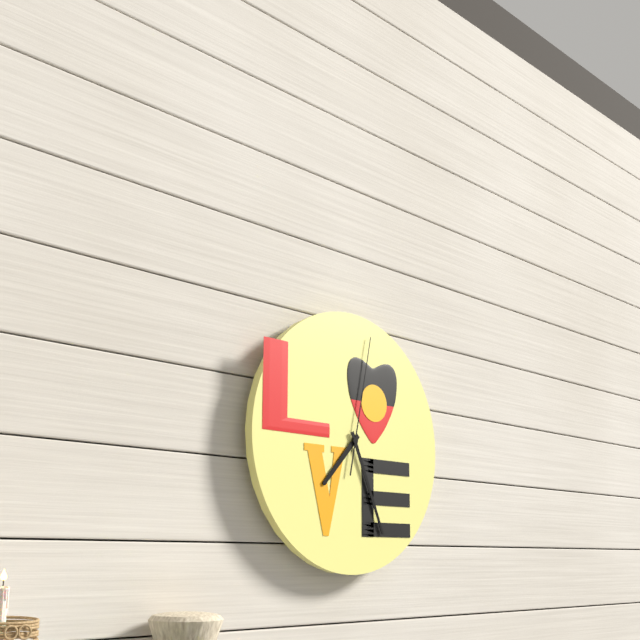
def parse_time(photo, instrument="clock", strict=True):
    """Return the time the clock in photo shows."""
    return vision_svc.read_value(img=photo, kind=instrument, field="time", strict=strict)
7:26:02
